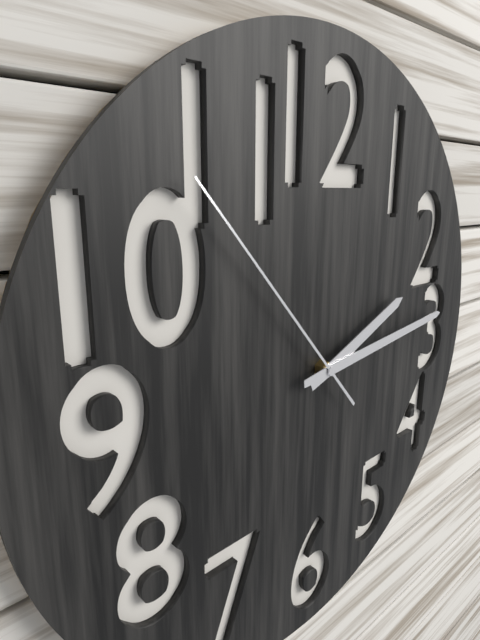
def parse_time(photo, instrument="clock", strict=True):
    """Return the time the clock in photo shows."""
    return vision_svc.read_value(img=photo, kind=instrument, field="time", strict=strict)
2:14:53
